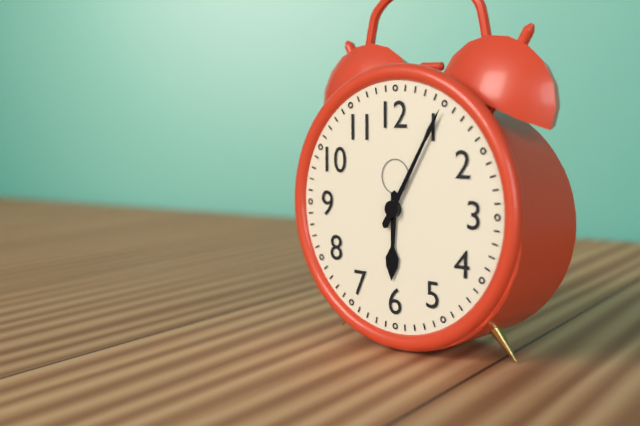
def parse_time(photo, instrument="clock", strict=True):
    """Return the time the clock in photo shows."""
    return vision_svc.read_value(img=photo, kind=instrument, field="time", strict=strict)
6:05
